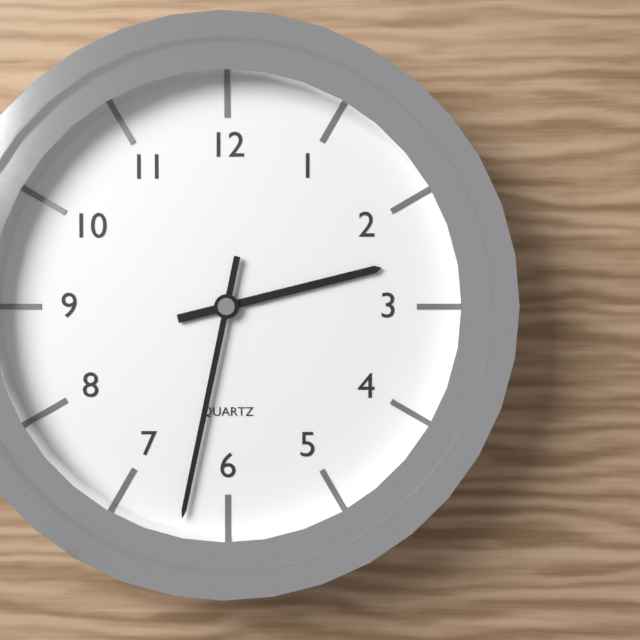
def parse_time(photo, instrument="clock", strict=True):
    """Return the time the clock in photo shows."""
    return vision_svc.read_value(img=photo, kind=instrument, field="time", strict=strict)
2:32
